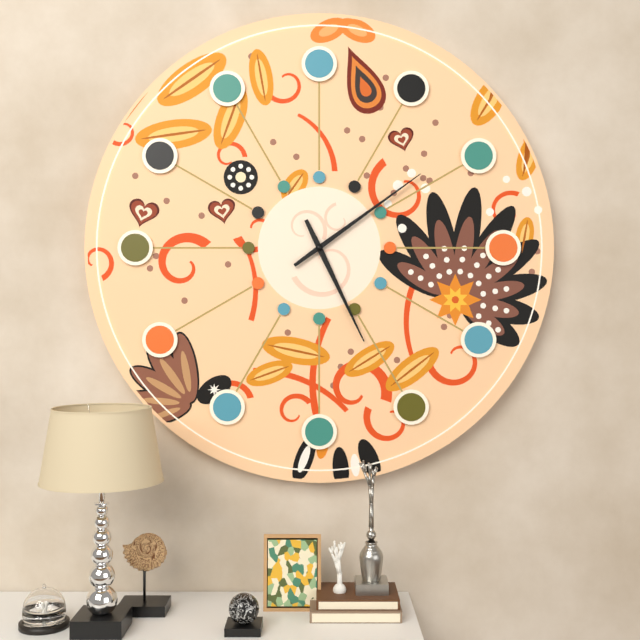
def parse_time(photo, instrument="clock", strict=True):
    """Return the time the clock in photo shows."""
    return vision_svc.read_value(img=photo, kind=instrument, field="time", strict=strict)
5:09
